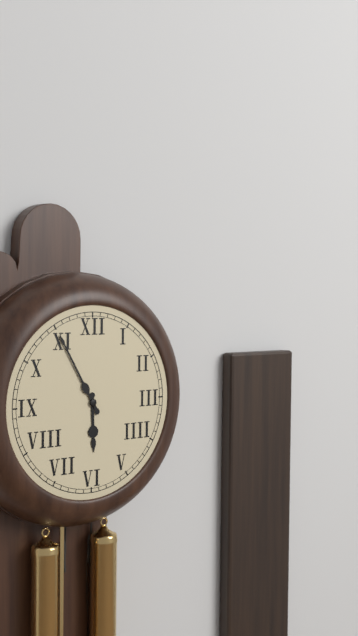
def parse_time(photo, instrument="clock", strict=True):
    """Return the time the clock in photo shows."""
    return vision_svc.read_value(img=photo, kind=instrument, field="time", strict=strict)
5:55
